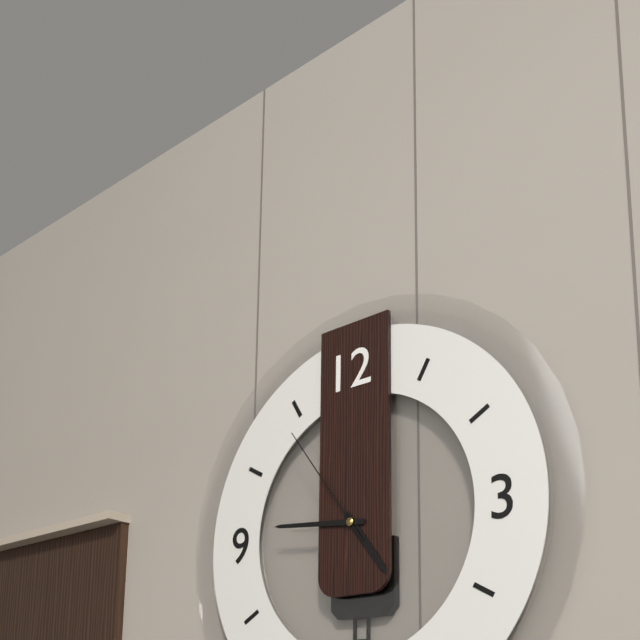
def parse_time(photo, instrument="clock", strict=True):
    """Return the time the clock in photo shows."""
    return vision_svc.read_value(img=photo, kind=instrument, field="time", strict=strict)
4:46:54
